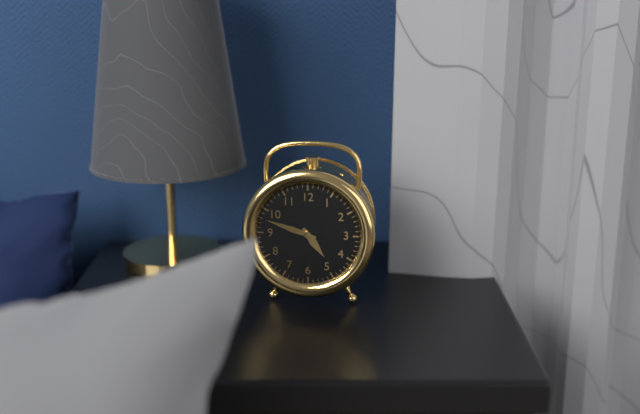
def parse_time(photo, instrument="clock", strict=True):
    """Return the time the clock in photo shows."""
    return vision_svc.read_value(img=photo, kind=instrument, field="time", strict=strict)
4:48
